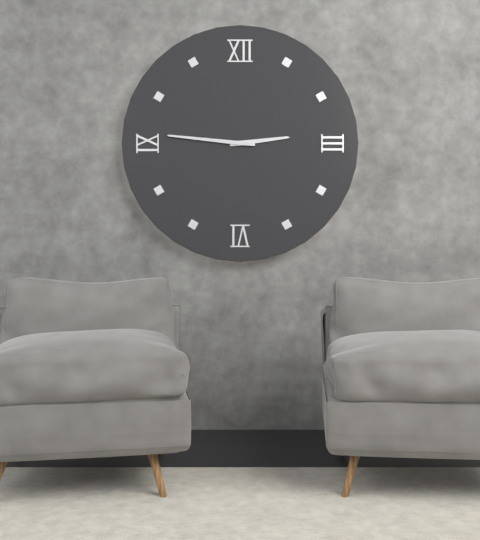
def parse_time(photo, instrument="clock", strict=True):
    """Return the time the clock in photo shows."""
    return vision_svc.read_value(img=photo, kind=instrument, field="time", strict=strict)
2:46
